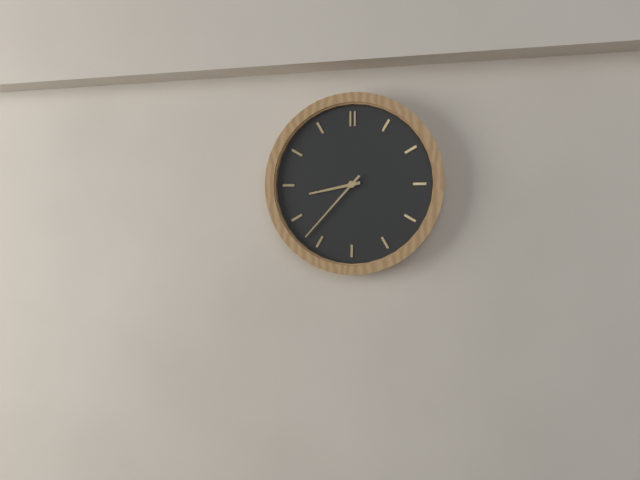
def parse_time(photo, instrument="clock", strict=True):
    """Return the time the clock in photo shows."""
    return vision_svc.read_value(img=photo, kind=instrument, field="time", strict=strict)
8:37
